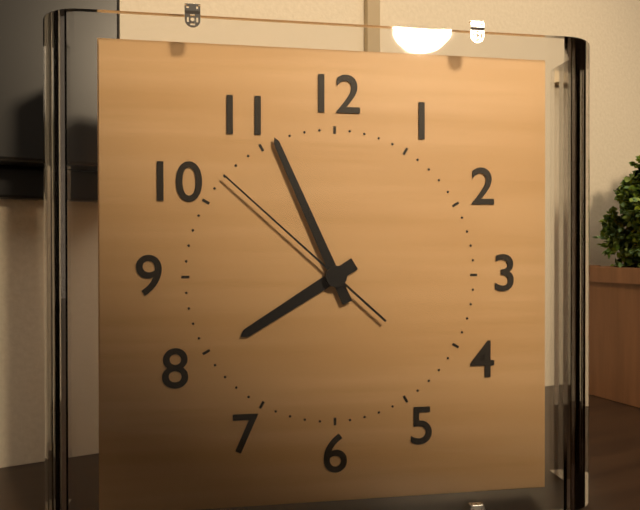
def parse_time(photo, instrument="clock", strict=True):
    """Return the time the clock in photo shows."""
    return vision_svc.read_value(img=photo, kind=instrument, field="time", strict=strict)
7:56:52
